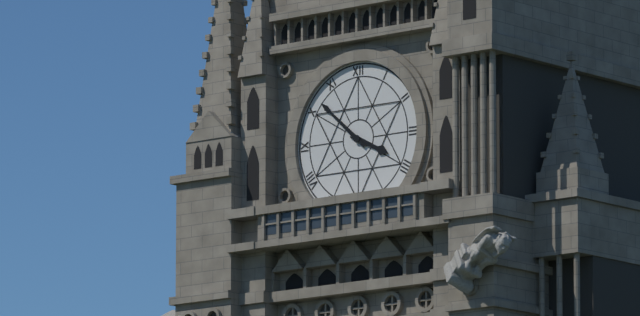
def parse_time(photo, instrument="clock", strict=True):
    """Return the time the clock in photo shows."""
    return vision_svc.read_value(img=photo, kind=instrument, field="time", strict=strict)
3:52
